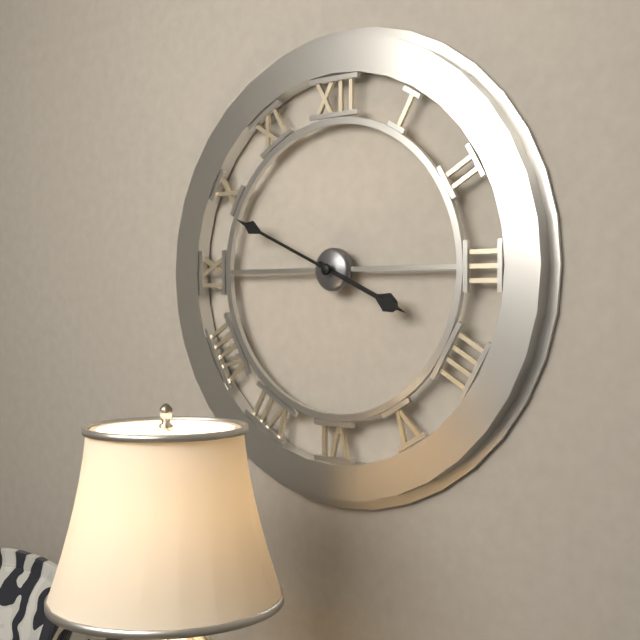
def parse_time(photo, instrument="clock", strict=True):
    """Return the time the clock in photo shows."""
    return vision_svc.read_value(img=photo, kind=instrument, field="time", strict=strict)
3:49
